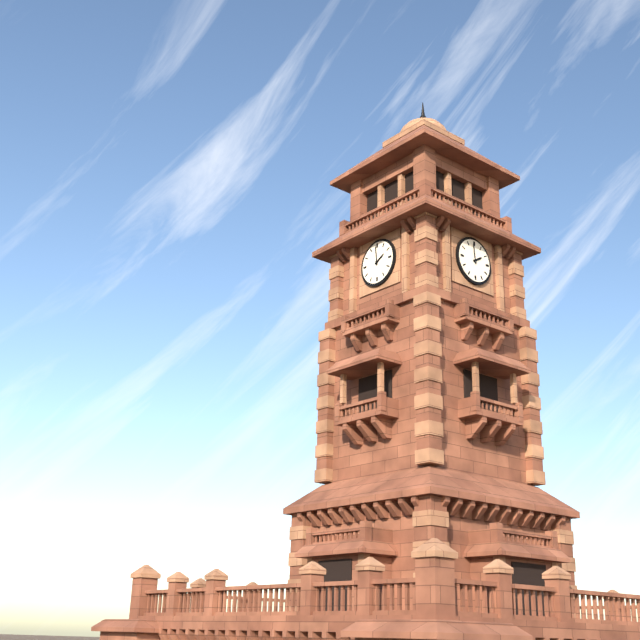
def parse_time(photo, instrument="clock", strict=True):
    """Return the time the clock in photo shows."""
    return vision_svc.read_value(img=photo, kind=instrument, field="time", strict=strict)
1:59
